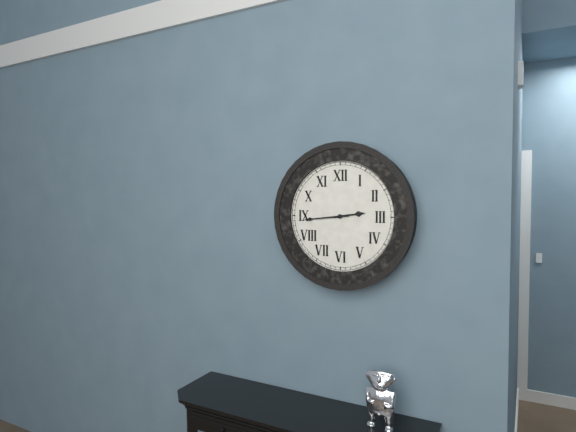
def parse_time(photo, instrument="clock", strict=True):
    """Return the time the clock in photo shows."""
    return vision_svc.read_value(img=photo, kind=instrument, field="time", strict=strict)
2:44
